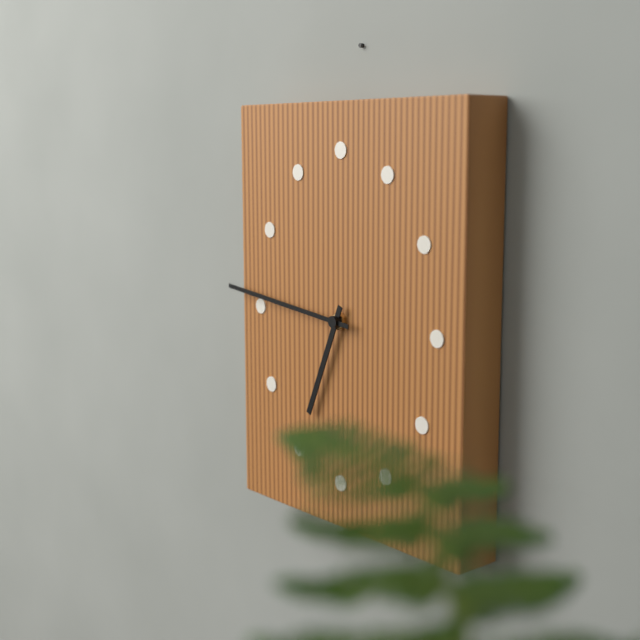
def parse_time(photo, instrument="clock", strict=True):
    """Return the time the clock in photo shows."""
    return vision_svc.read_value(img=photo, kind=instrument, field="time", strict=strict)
6:46
